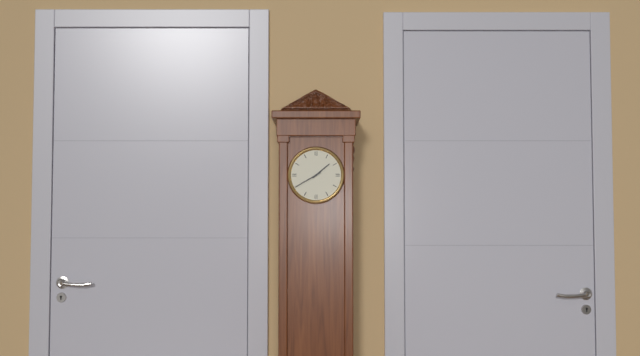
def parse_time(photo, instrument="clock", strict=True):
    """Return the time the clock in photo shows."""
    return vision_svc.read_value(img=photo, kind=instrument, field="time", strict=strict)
1:40
